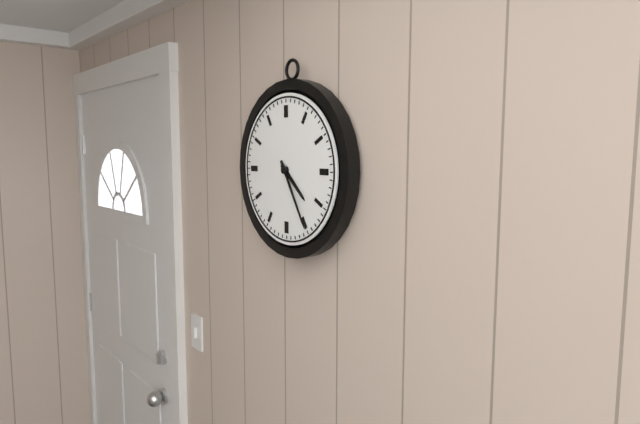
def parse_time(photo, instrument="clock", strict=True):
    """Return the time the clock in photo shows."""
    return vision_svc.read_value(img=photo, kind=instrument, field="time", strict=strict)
4:25
